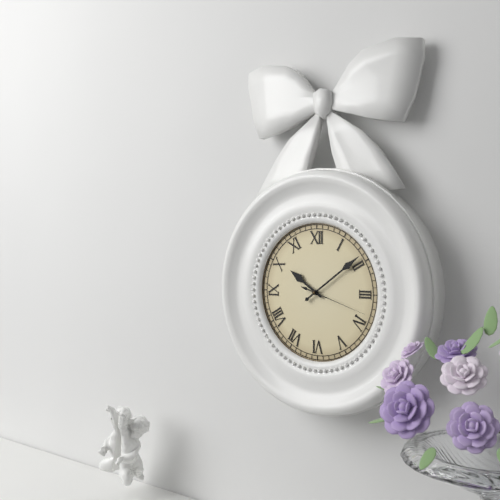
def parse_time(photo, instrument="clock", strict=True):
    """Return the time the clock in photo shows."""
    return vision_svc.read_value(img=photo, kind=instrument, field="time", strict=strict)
10:09:18
